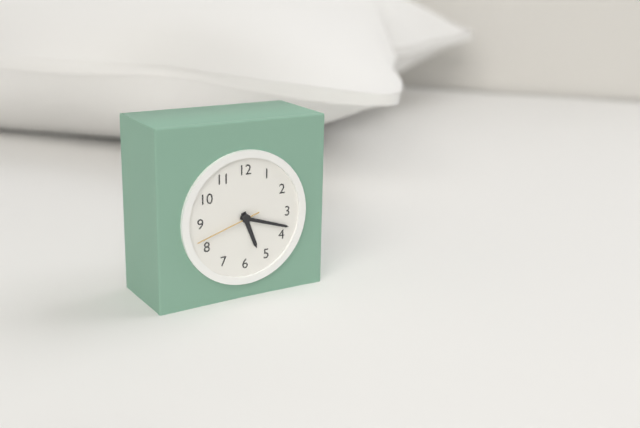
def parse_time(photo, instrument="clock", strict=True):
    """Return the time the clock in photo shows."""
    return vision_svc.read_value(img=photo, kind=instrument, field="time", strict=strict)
5:18:42
